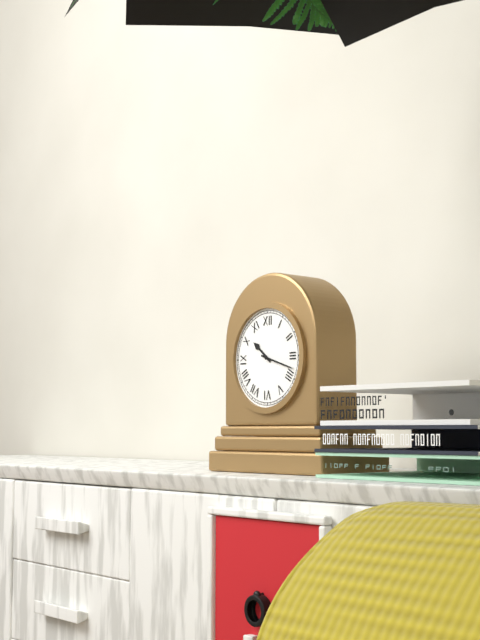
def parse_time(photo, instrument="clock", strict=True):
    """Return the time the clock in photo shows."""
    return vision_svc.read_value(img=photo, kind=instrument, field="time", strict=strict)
10:18
